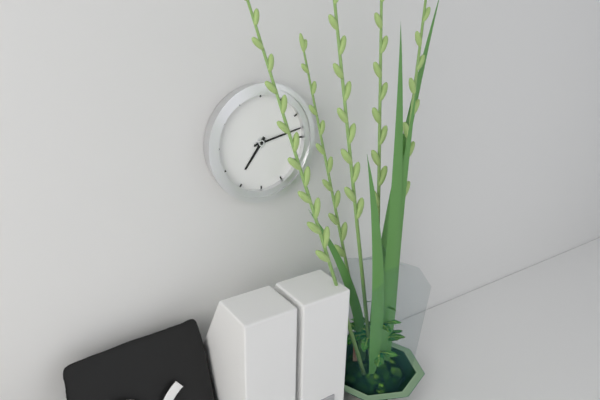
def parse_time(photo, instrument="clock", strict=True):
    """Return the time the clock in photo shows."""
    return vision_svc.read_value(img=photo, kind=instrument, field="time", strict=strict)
7:13
